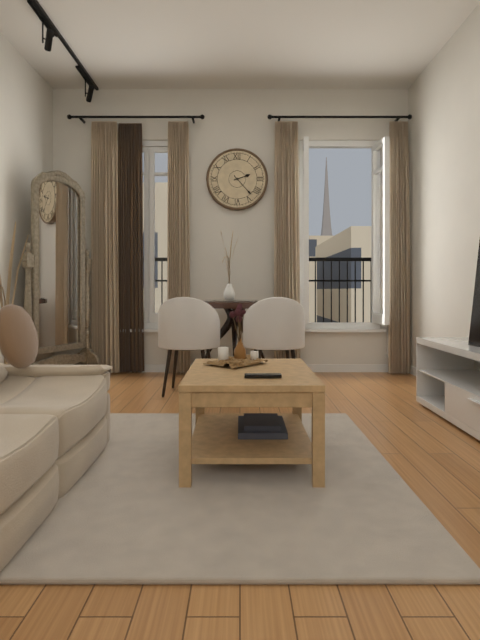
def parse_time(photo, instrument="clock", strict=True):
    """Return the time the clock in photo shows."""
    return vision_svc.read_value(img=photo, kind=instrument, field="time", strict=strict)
2:23
